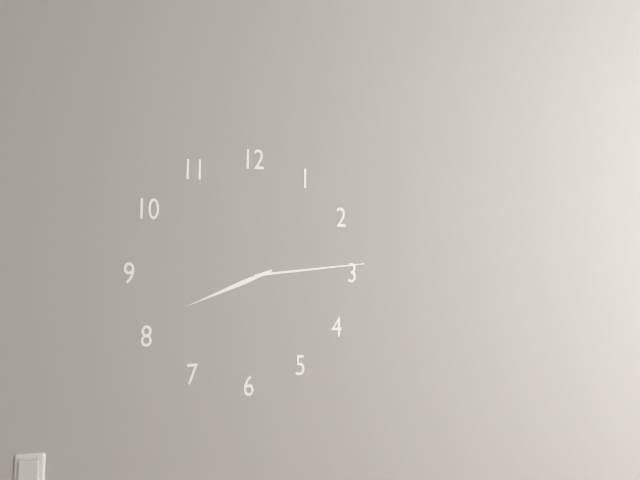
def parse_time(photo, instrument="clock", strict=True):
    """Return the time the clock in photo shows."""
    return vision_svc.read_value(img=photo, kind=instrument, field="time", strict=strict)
8:14
